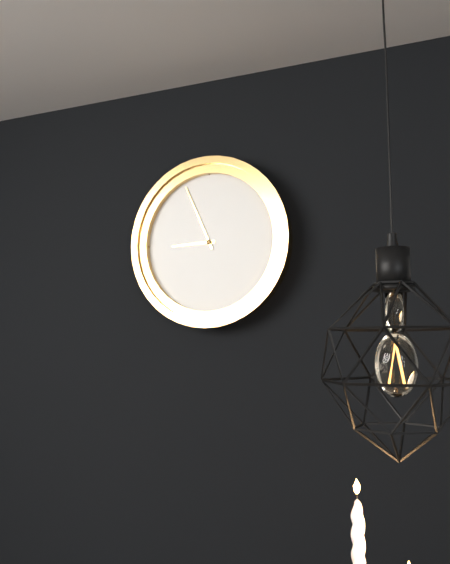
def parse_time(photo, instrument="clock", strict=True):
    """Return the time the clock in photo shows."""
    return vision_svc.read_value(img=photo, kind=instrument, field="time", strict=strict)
8:56
